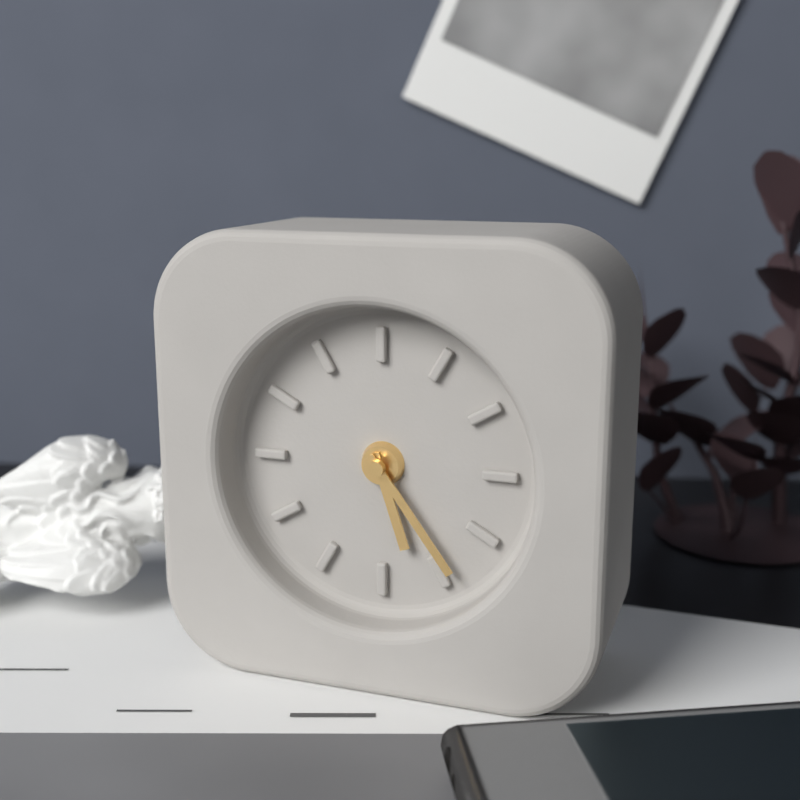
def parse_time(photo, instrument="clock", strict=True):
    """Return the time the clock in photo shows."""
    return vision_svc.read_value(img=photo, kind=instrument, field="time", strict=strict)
5:24
